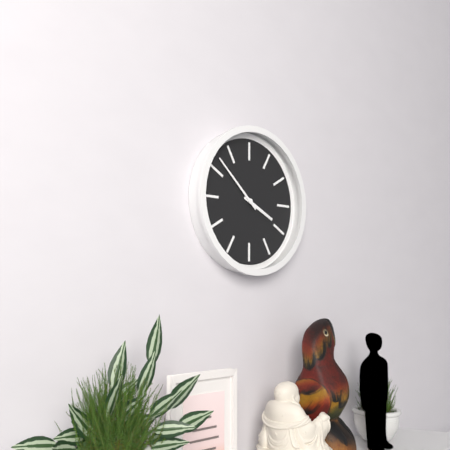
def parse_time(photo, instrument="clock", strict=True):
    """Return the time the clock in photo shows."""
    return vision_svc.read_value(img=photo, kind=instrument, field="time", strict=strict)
3:52
